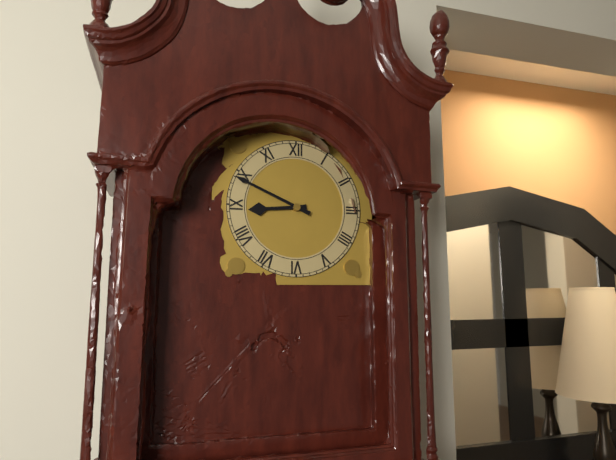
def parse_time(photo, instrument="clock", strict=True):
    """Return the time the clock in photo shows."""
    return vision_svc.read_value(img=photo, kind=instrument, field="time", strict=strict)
8:49
